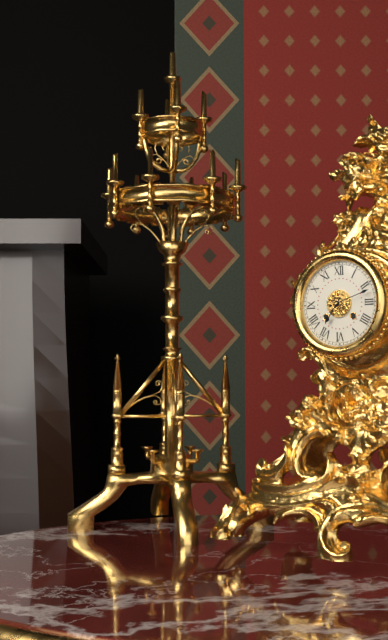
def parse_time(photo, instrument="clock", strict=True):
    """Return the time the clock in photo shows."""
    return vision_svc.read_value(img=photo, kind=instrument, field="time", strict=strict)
7:12
